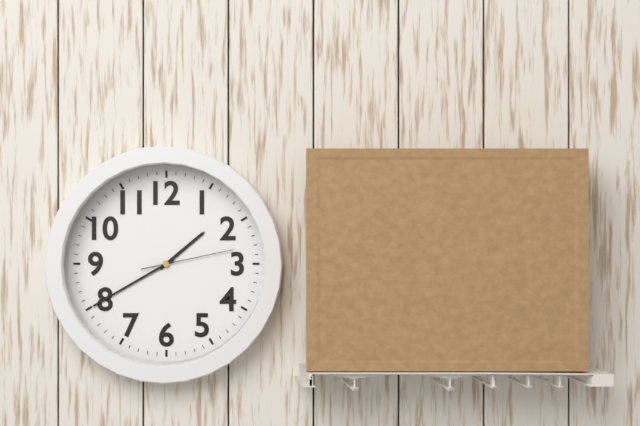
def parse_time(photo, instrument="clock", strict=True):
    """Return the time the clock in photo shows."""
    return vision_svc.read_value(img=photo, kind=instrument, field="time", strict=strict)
1:40:13
